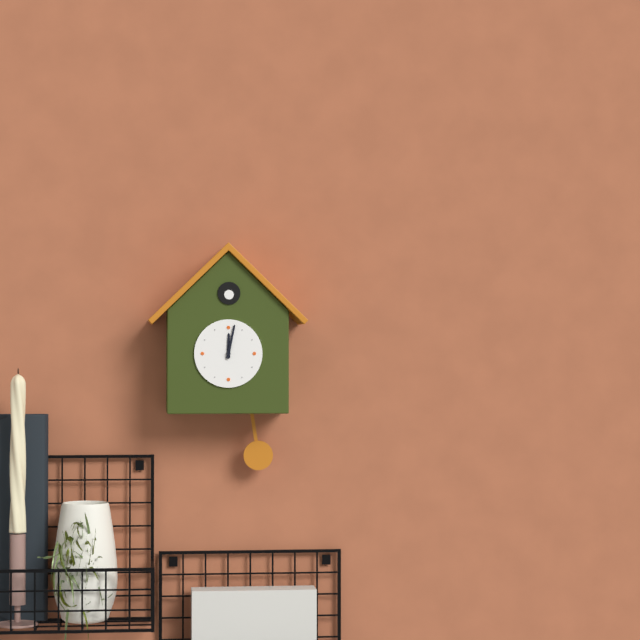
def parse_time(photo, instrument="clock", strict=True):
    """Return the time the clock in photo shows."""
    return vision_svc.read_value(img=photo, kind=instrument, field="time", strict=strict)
12:02
